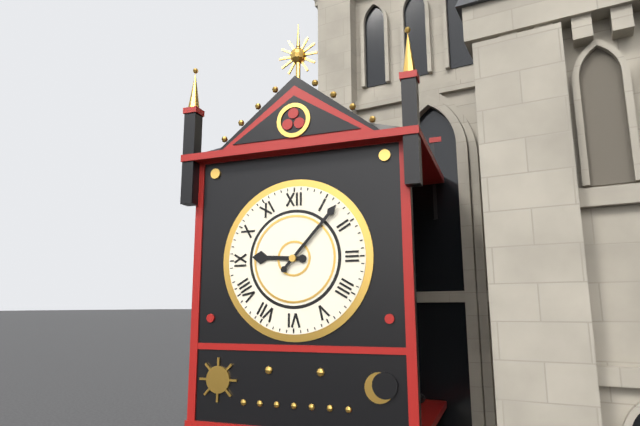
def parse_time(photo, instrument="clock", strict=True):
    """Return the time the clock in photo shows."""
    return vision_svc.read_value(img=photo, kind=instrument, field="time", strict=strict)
9:07
